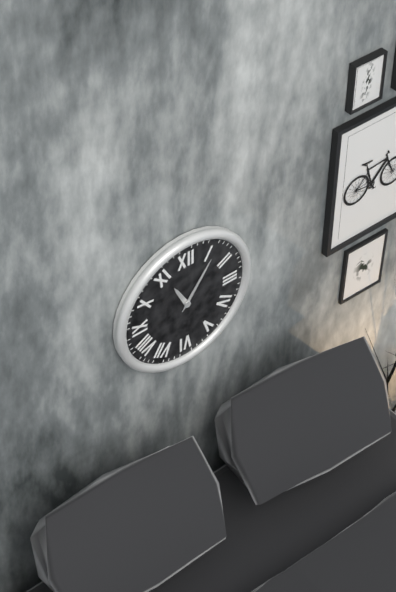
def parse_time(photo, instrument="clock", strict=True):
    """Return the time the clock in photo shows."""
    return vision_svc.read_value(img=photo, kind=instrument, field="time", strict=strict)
11:06
